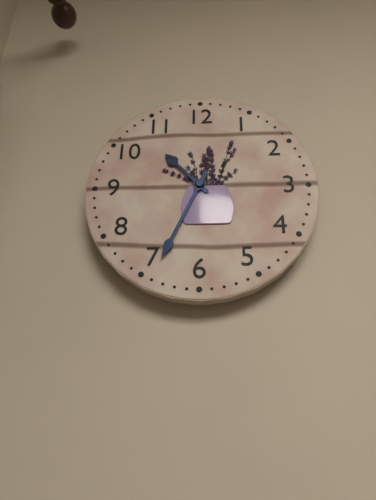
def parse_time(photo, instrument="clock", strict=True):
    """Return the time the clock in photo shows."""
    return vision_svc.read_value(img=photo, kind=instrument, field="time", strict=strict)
10:34
